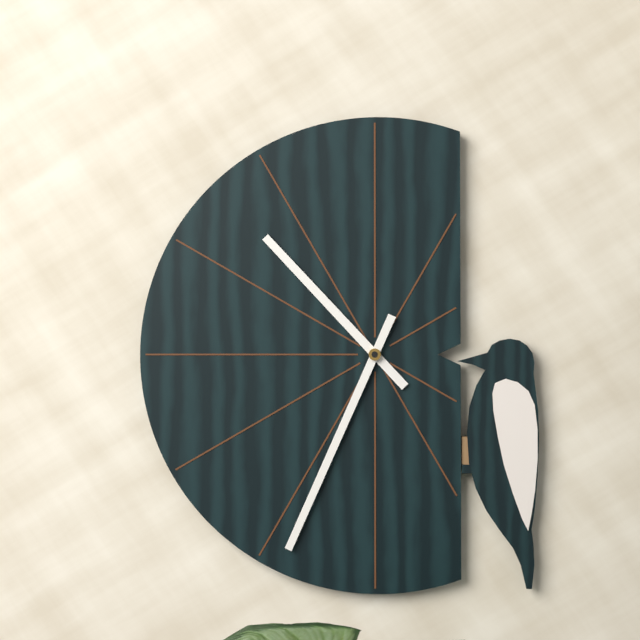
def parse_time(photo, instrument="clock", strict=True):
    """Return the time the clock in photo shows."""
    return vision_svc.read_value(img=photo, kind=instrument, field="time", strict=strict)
10:34
